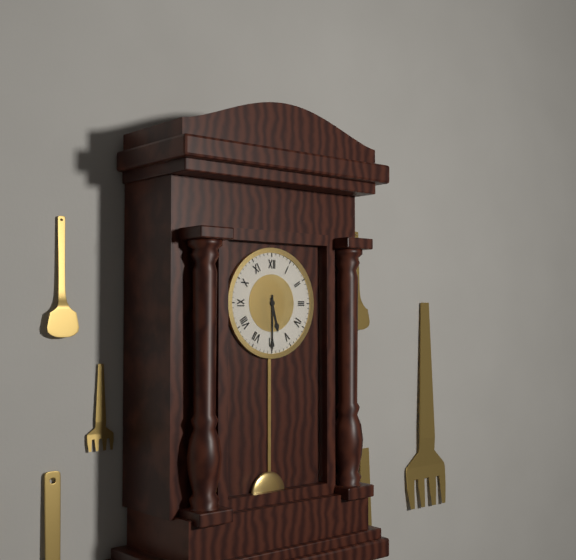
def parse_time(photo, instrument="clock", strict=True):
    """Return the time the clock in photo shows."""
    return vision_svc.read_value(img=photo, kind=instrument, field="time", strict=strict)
5:30
